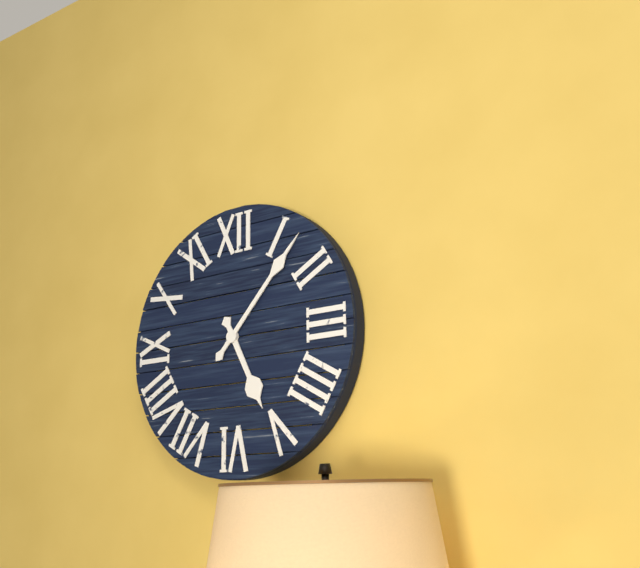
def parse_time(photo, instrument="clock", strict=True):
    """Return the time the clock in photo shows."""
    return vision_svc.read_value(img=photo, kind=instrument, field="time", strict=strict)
5:07
